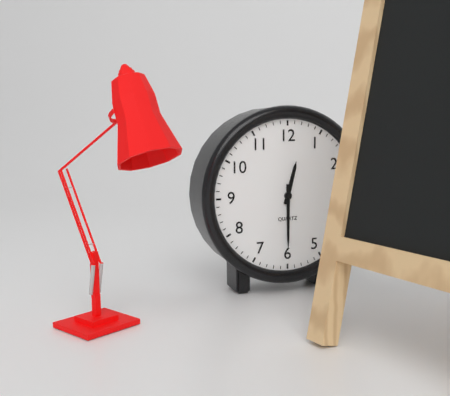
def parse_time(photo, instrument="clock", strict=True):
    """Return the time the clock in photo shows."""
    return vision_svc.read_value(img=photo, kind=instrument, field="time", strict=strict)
12:30
